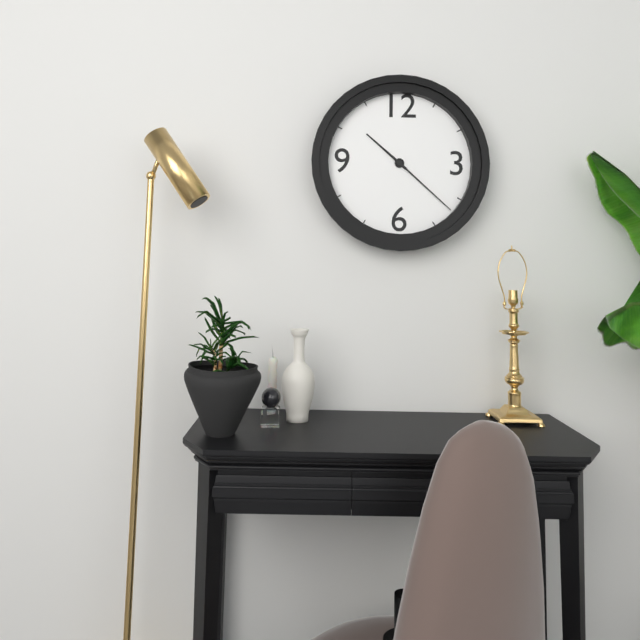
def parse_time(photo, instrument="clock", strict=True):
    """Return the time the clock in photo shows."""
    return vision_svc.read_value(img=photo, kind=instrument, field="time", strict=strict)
10:22
